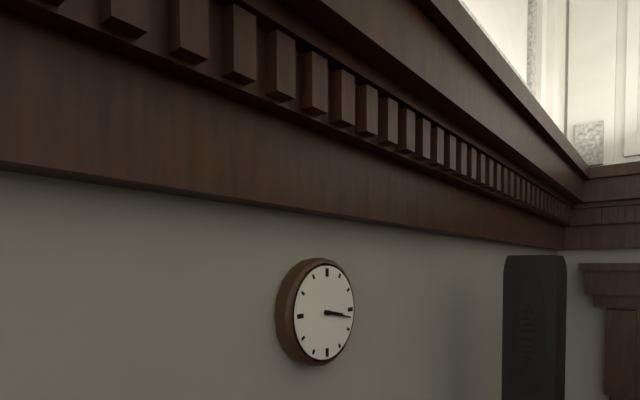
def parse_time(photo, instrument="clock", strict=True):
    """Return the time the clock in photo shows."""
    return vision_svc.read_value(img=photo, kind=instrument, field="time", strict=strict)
3:17
